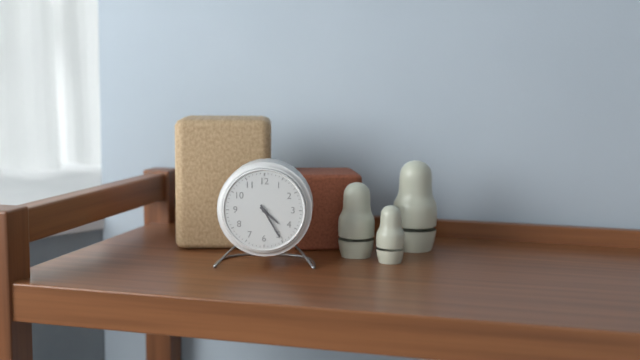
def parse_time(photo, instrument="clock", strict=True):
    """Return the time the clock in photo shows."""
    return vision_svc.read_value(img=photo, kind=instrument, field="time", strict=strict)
4:25
